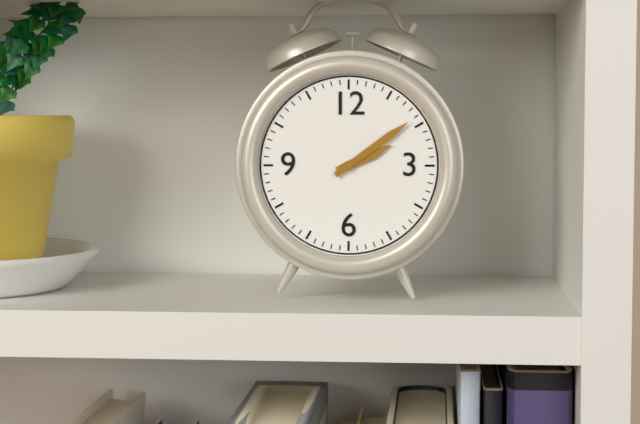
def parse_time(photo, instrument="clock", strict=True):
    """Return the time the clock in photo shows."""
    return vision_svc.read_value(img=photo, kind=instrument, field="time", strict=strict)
2:09
